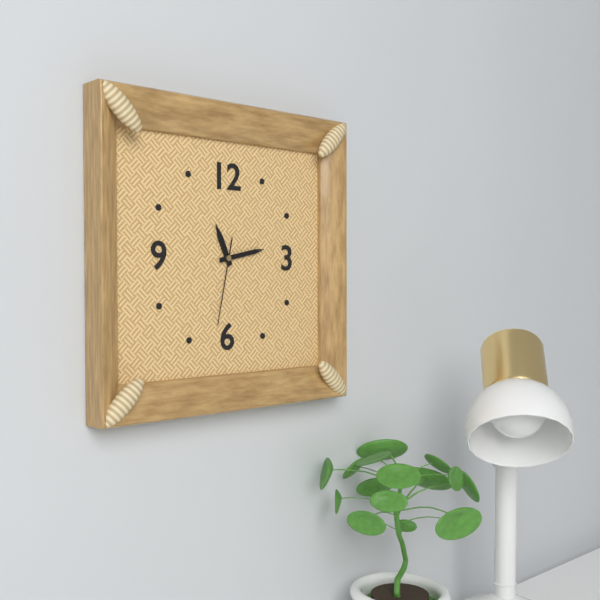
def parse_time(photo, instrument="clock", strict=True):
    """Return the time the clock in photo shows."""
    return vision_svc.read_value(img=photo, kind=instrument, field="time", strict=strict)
11:13:32
